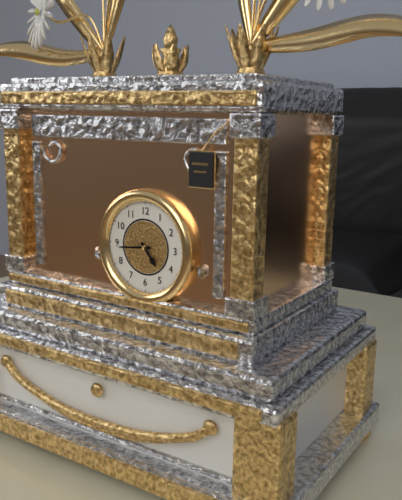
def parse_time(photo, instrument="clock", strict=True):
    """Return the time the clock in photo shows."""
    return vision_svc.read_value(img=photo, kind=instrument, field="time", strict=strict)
4:44
